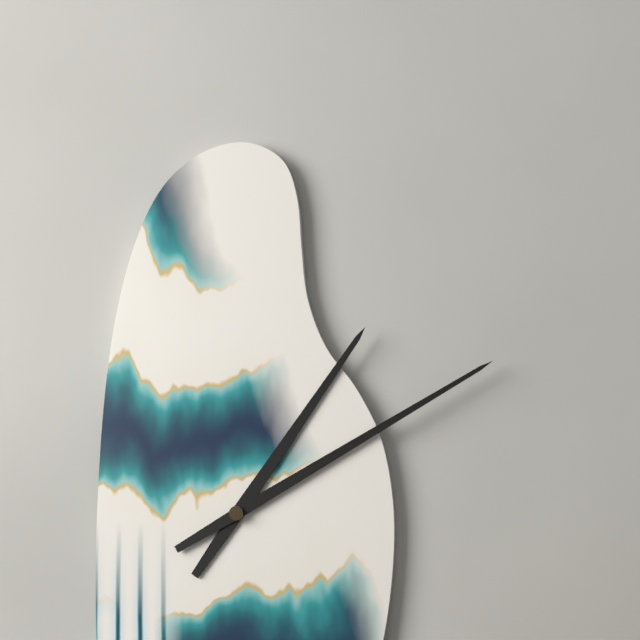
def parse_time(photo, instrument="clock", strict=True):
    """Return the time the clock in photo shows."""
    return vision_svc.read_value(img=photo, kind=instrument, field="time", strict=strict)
1:10
